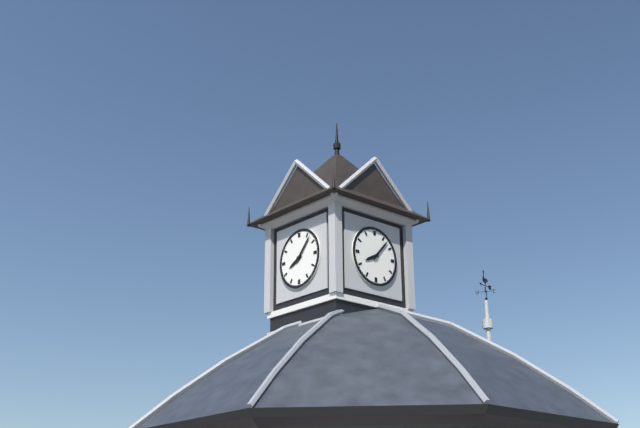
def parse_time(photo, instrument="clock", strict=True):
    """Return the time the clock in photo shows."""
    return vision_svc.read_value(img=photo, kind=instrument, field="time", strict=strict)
8:07
